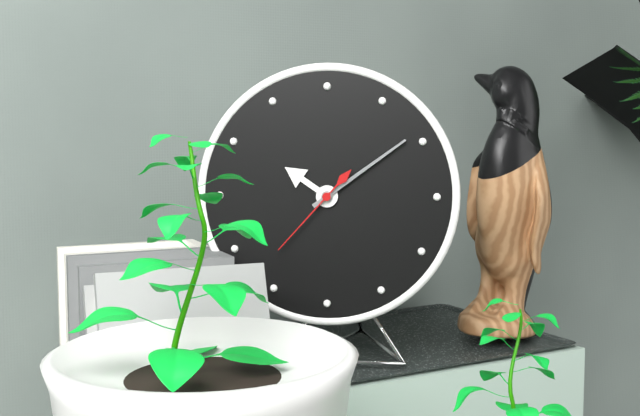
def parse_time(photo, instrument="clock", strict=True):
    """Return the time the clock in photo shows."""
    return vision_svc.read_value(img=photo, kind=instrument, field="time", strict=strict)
10:09:37
